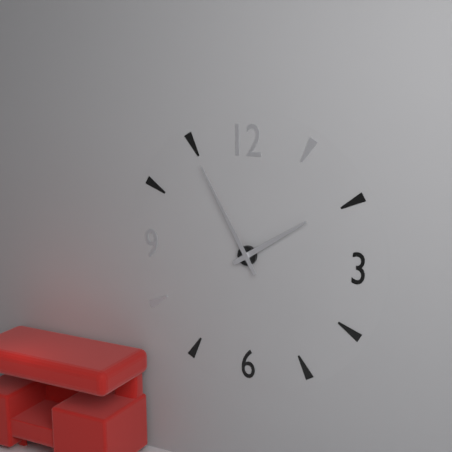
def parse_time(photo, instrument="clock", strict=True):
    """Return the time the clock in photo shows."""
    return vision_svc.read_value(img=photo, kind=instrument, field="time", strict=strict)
1:55
